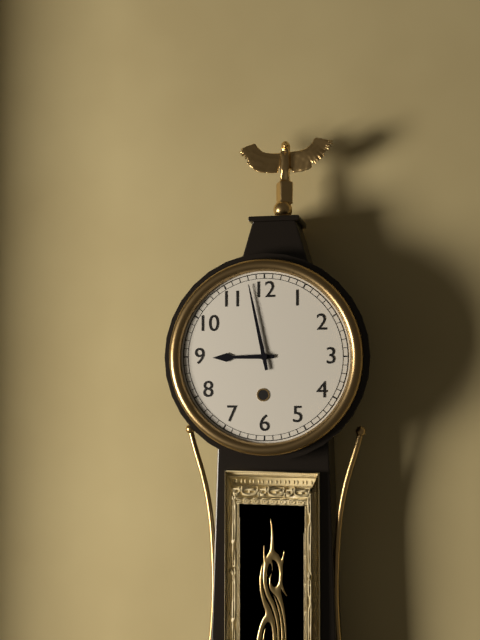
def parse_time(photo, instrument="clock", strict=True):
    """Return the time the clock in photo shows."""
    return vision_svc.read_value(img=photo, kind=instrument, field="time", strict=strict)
8:58
